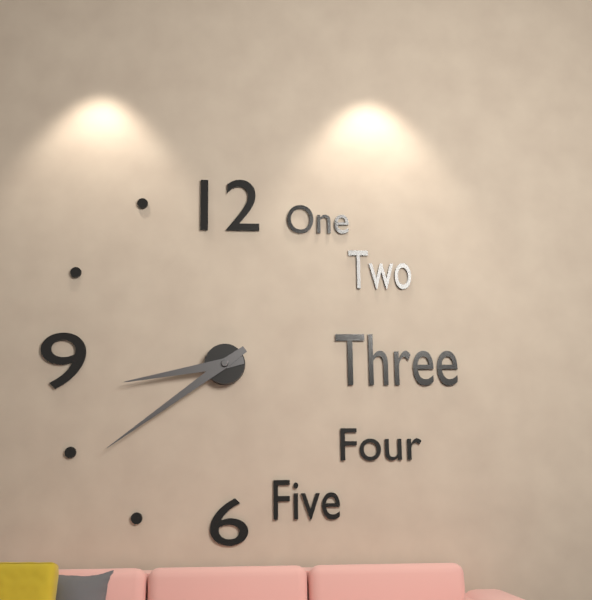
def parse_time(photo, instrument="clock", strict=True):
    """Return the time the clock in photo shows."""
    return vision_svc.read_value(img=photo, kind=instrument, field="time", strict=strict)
8:39
